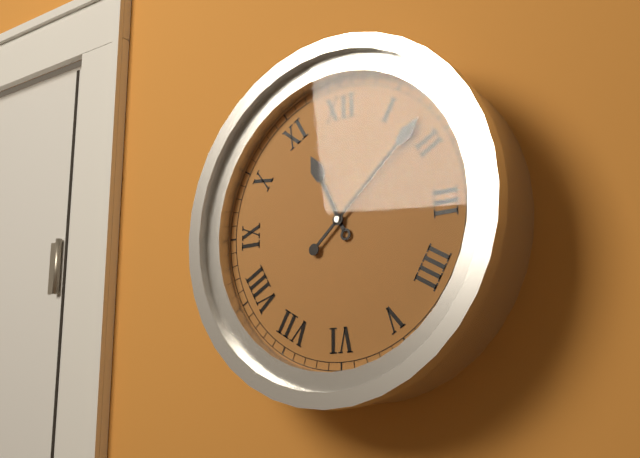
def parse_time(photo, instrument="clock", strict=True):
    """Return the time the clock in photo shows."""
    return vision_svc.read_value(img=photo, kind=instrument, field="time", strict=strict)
11:08
